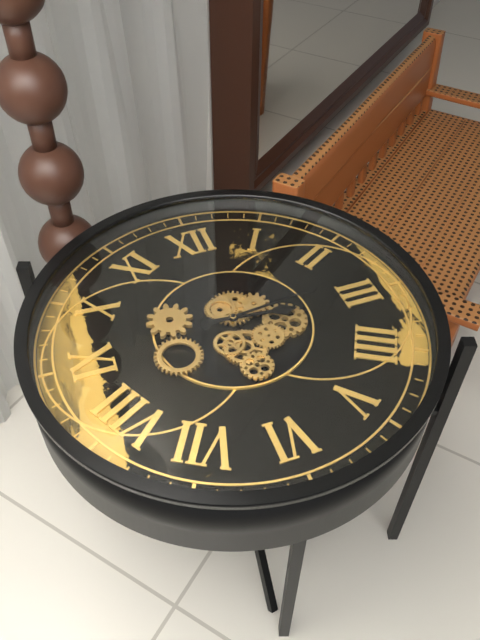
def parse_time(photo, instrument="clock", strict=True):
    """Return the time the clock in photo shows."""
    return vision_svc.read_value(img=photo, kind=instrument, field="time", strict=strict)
3:14
